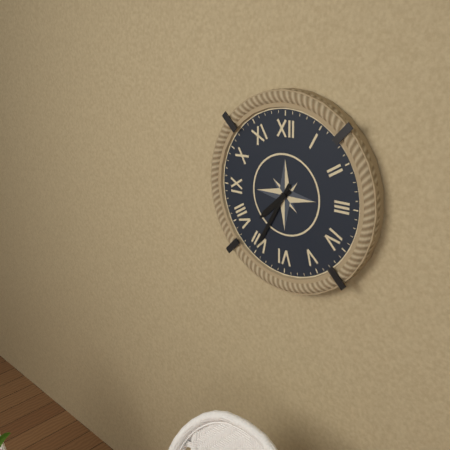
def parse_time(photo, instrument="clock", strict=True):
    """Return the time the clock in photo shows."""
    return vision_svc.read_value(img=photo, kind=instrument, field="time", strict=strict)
7:35
